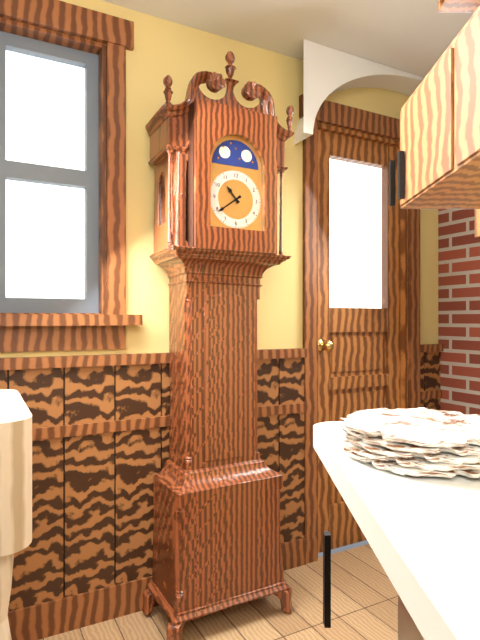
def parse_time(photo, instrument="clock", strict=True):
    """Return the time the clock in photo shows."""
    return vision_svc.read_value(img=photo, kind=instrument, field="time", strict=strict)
10:39
